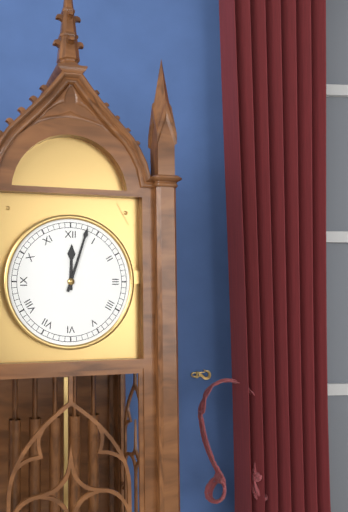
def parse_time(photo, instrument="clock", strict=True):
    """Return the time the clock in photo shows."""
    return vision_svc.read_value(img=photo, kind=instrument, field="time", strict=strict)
12:03
